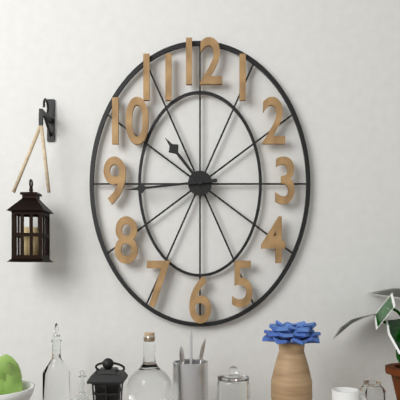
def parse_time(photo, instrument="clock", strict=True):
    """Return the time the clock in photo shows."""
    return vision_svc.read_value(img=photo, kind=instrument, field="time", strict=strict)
10:44
